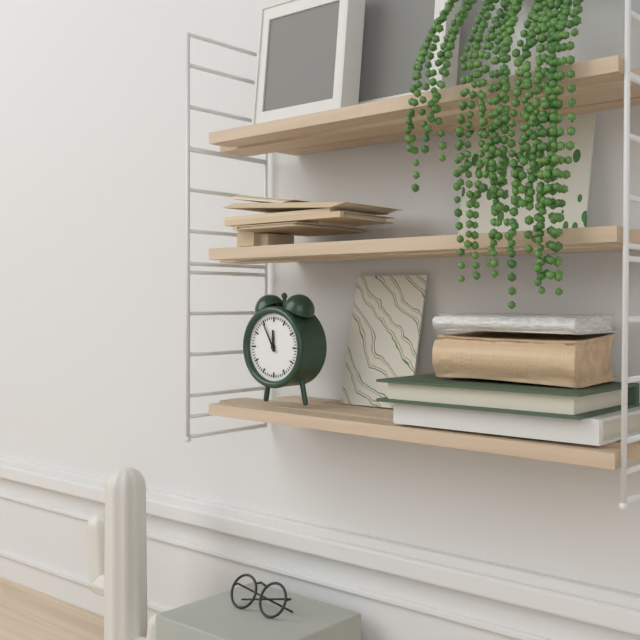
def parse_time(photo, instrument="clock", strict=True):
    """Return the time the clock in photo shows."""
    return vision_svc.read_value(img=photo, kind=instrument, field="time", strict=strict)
11:55
